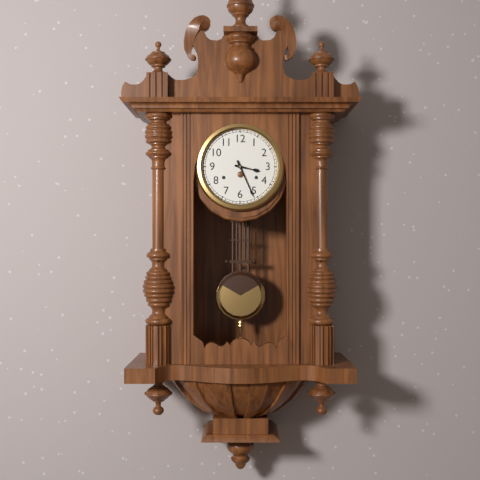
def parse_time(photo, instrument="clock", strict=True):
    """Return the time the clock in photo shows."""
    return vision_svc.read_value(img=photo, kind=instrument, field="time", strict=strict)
3:26
